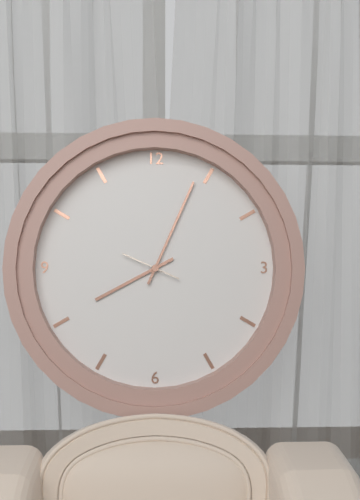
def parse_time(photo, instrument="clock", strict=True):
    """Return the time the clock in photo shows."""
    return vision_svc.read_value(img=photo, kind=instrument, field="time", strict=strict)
8:04
